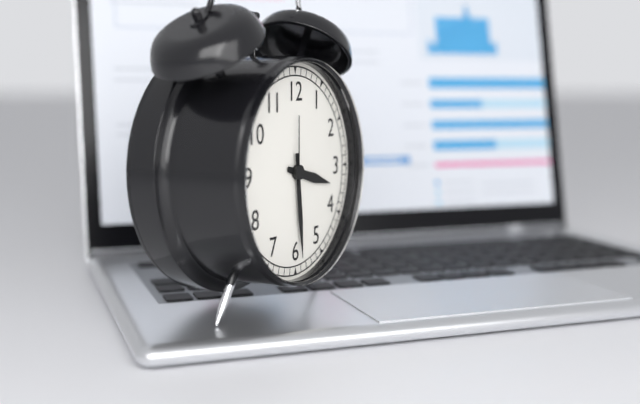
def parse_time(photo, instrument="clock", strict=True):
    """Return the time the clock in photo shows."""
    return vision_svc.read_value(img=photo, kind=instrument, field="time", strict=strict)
3:29:00
